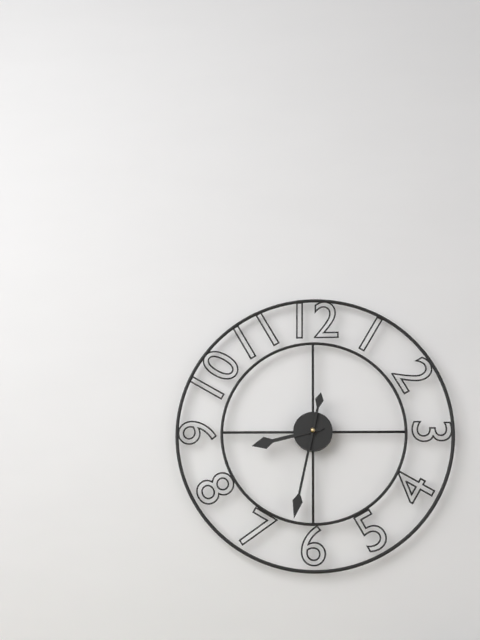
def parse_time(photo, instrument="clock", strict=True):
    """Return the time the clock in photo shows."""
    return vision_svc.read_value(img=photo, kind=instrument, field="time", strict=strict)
8:32
